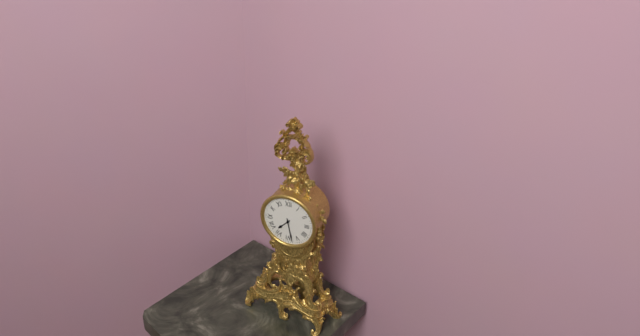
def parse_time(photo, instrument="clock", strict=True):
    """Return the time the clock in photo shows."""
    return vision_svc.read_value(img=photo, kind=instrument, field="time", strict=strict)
7:28
